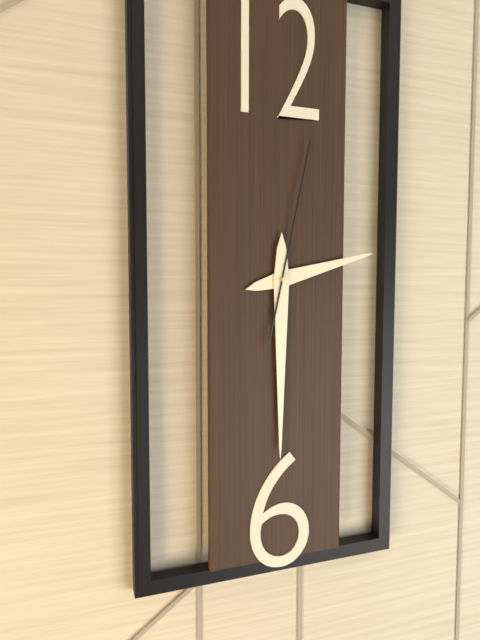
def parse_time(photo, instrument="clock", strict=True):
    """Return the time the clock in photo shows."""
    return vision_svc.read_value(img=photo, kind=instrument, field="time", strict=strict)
2:30:02
